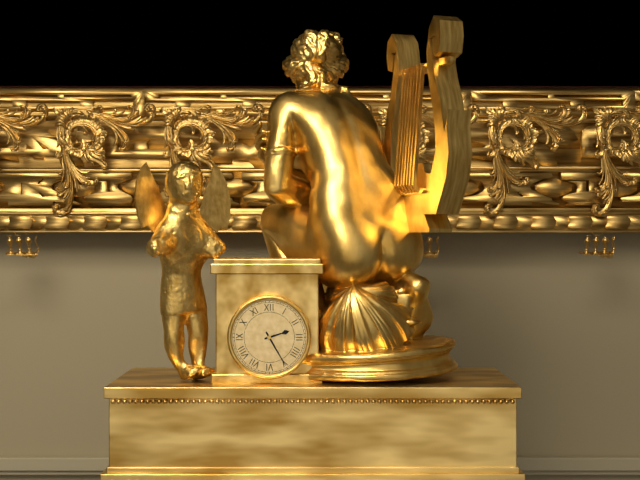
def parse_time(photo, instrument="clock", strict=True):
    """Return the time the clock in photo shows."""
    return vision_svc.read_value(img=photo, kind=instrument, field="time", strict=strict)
2:25
